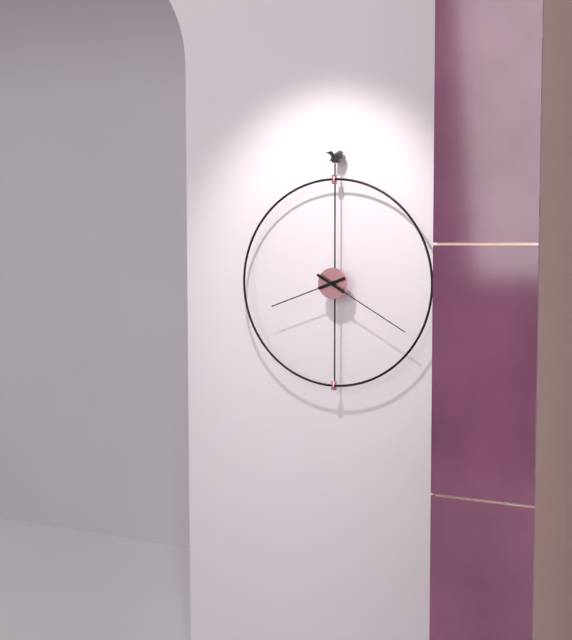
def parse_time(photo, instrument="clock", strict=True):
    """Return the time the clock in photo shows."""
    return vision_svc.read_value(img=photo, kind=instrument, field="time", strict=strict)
8:20
